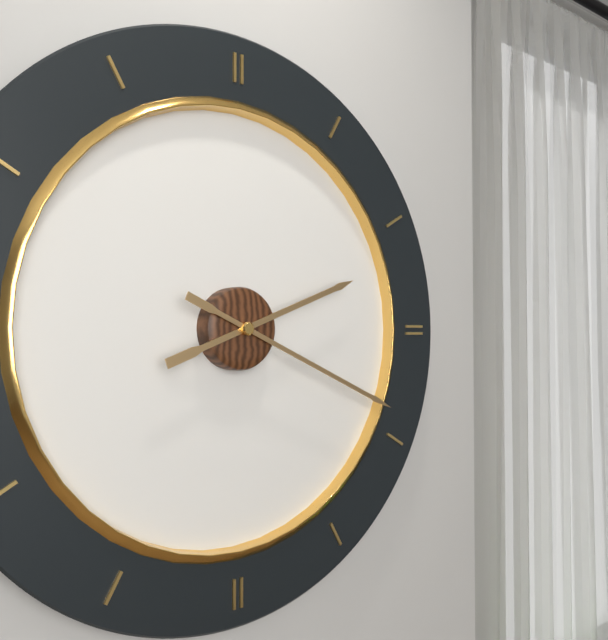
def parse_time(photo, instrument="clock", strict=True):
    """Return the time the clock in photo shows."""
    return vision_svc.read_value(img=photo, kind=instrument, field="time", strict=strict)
2:19
